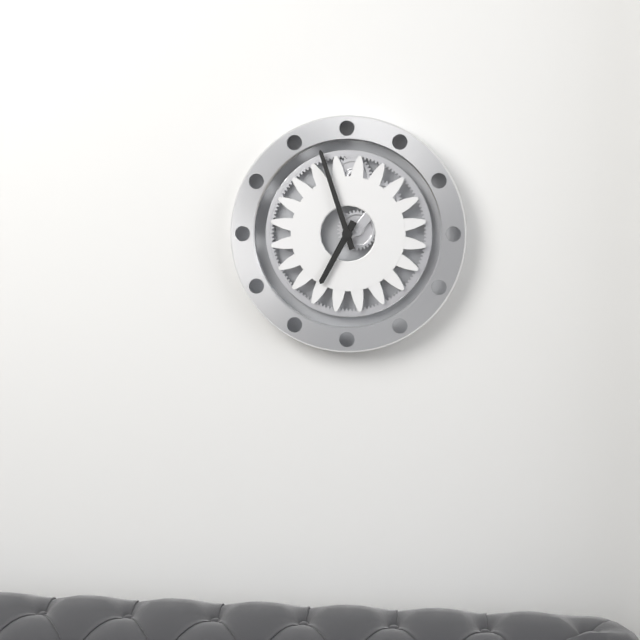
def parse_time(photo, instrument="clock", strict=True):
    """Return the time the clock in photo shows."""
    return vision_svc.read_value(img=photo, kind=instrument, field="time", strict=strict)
6:57
